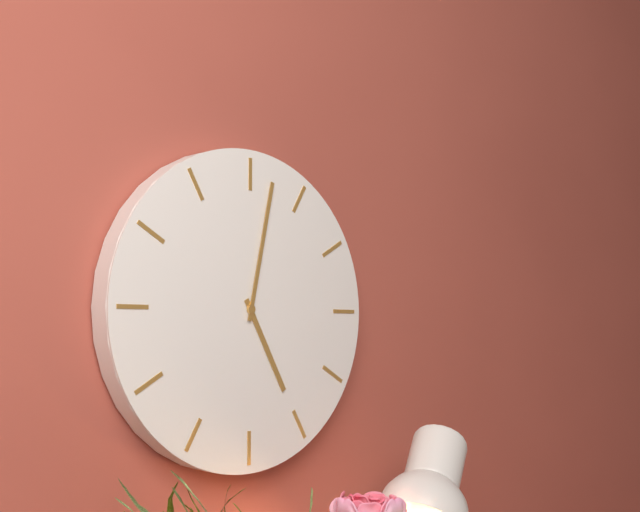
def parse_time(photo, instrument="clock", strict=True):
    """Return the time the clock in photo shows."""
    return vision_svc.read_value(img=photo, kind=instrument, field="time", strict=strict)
5:02
